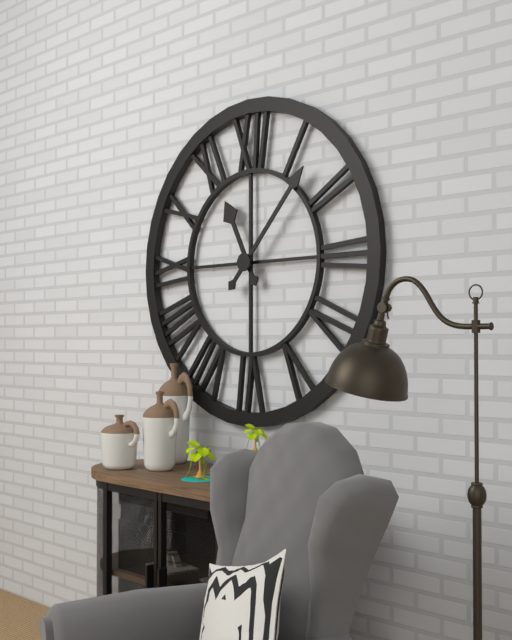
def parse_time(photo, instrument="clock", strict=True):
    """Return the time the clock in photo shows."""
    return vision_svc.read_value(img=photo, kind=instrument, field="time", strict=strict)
11:07
